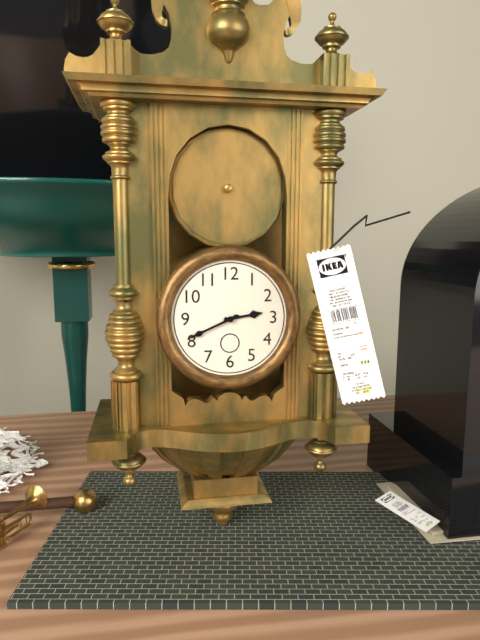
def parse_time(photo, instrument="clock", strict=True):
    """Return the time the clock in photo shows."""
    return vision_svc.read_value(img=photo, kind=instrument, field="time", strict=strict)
2:41
